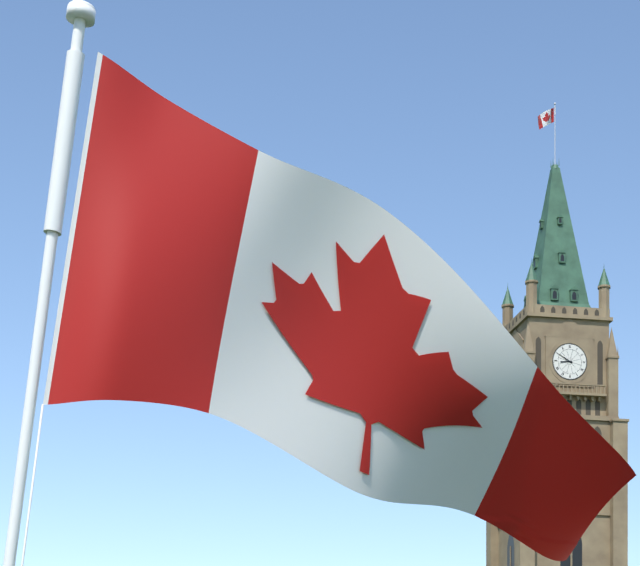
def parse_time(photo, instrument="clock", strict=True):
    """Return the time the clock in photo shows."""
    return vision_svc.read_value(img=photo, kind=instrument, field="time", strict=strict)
8:50
